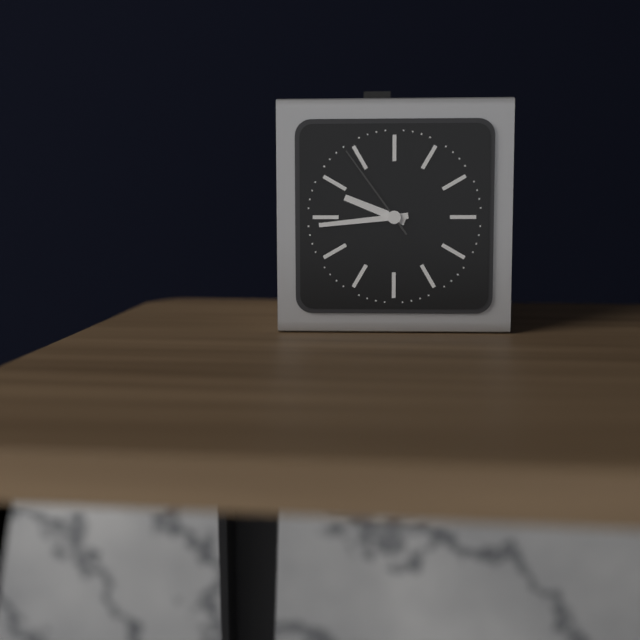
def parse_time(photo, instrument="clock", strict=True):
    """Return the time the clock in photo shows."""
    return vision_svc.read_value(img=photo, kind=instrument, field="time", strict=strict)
9:44:54
